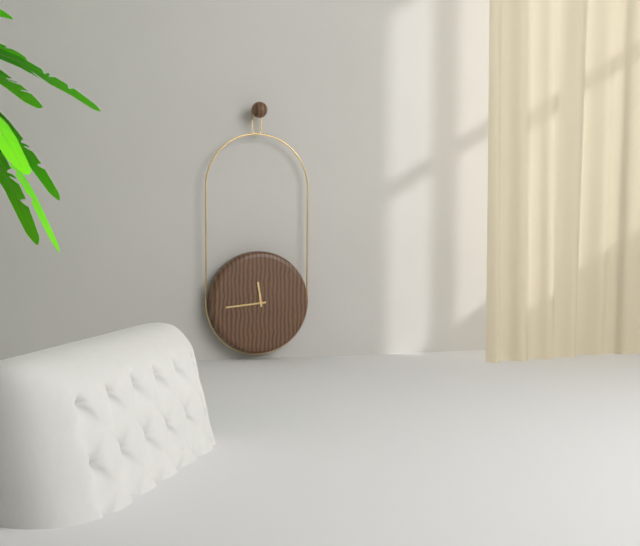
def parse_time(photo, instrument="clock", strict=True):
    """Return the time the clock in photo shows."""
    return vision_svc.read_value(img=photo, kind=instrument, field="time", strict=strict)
11:44
